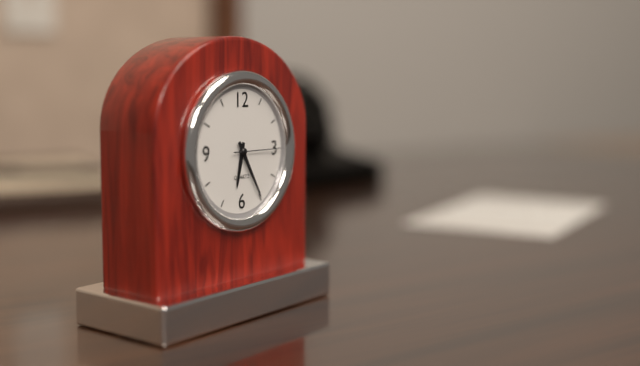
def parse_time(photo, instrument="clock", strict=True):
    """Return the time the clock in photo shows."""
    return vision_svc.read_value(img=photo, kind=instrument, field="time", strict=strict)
6:25
